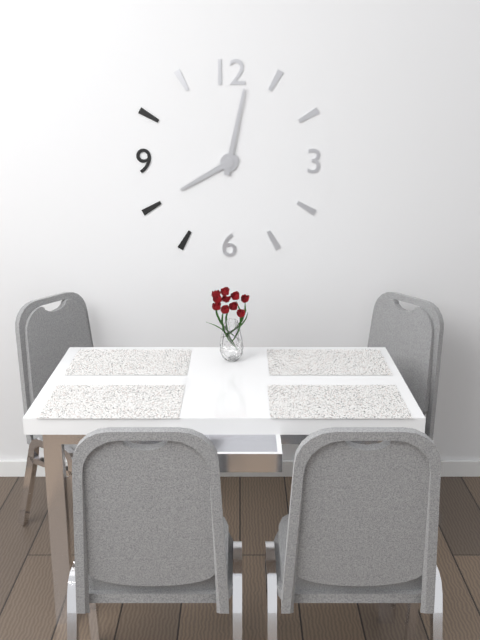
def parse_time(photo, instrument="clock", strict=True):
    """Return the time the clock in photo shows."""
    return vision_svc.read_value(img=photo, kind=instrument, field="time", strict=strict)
8:02
